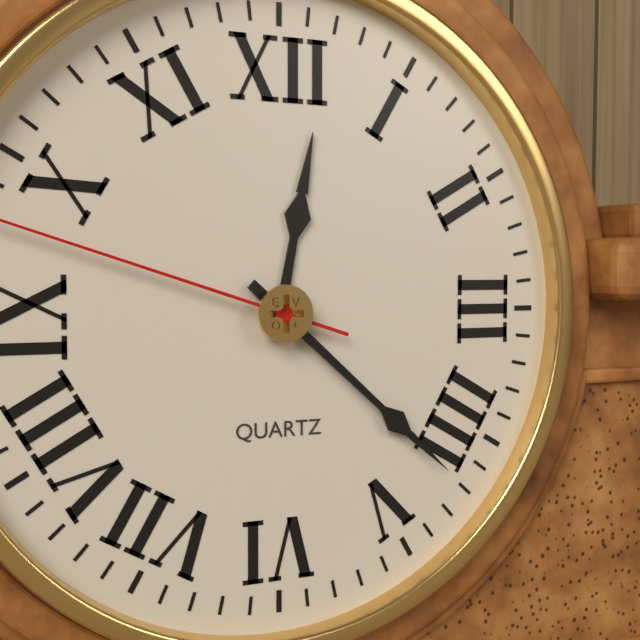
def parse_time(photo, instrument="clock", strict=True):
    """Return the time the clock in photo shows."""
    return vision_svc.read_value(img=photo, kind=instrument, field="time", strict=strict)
12:22
